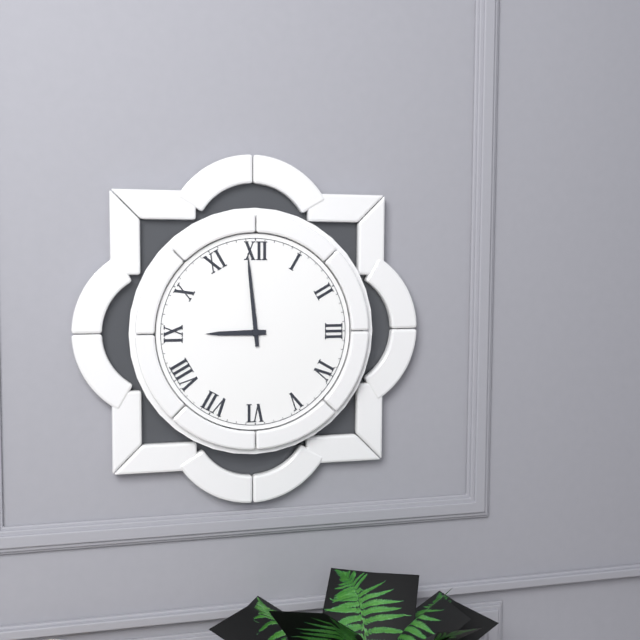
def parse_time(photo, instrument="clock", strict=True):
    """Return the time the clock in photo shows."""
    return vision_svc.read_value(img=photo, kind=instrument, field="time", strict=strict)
8:59
